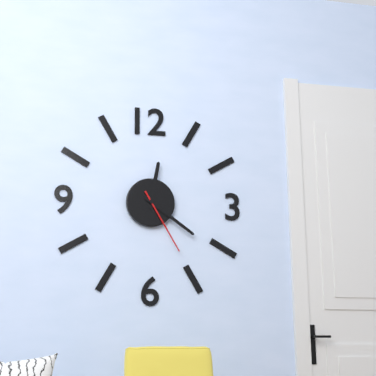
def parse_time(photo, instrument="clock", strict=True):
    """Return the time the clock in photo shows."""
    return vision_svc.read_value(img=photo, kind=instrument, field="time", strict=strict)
12:21:25
